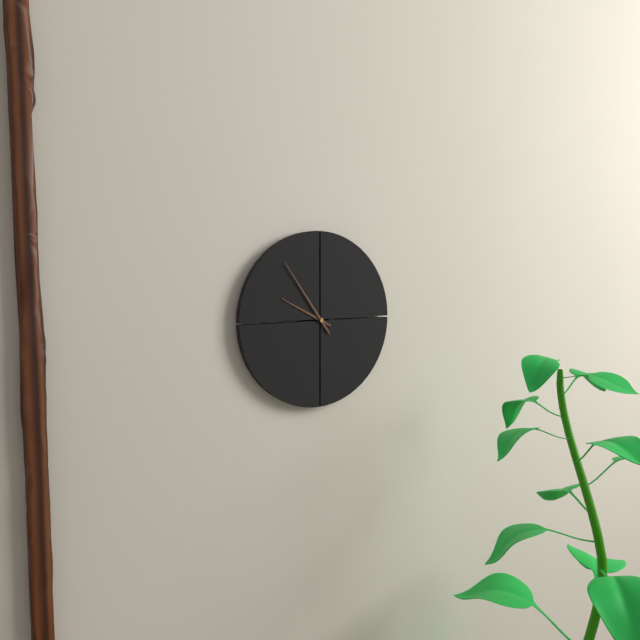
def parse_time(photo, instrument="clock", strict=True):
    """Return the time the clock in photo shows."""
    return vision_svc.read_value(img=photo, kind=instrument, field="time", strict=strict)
9:54
